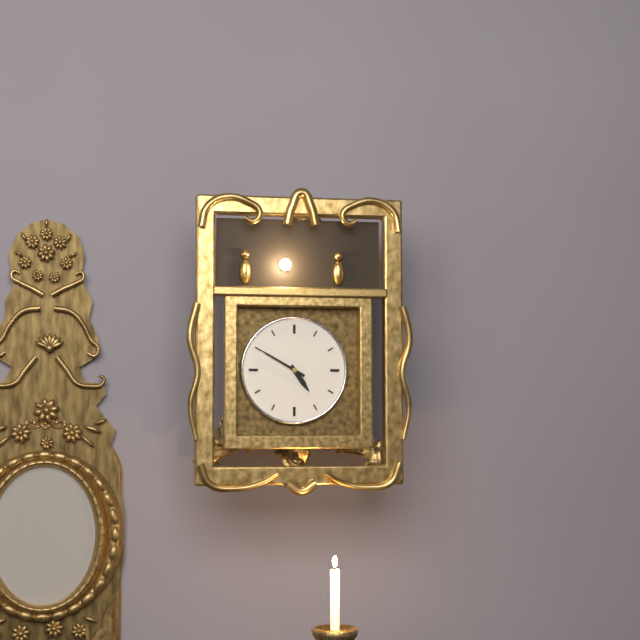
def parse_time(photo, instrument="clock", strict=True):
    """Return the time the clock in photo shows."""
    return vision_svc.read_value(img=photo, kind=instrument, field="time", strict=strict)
4:50
